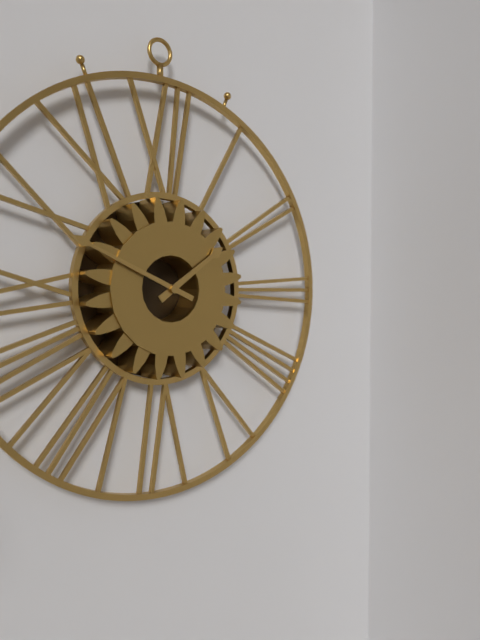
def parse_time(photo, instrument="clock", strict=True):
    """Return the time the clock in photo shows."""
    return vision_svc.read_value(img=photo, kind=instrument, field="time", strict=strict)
1:49
